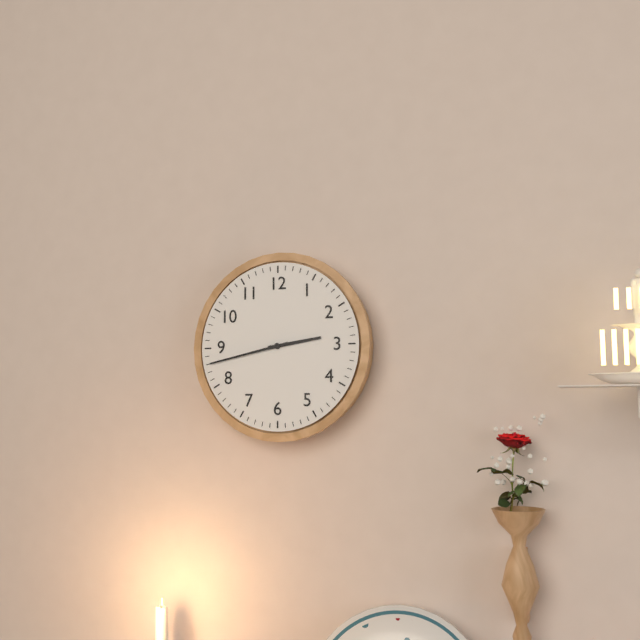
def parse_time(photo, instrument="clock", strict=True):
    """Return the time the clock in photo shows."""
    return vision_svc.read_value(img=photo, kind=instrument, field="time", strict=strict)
2:43
